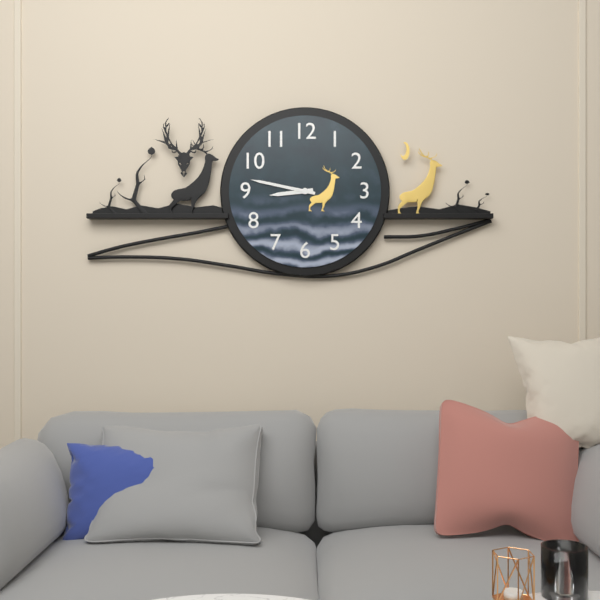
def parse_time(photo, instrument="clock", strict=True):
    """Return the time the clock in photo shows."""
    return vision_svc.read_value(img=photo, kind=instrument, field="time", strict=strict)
8:47
